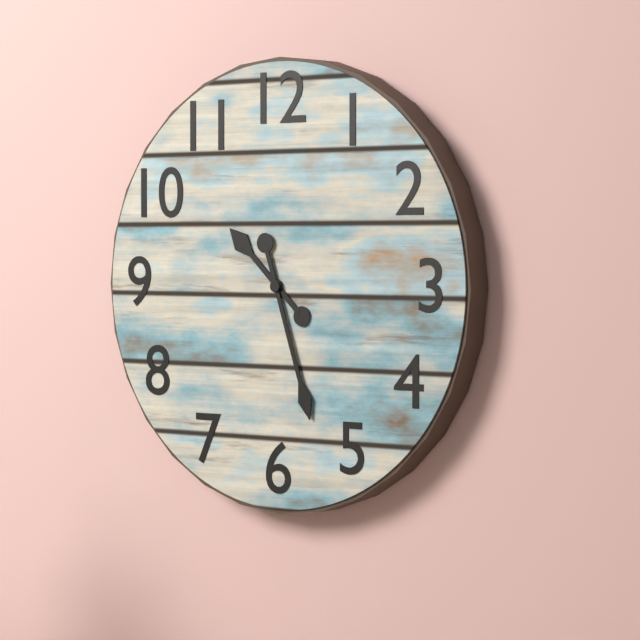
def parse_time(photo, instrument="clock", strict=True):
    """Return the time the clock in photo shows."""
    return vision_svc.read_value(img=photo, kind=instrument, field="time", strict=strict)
10:27
